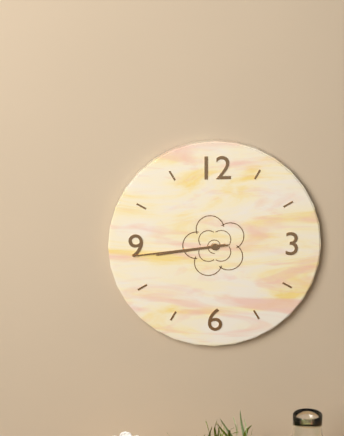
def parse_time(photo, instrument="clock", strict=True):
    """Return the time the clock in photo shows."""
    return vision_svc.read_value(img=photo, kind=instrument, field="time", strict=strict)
8:44
